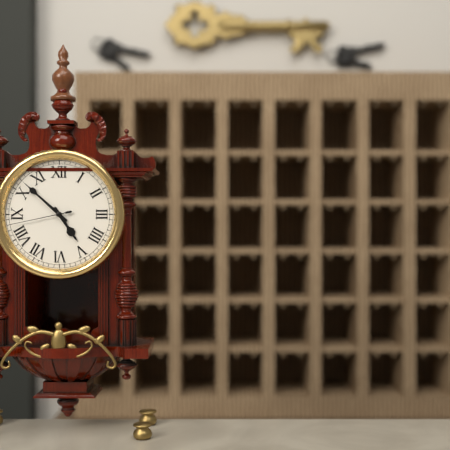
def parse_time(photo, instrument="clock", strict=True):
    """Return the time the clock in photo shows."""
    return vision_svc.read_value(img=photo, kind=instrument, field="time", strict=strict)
4:52:43
